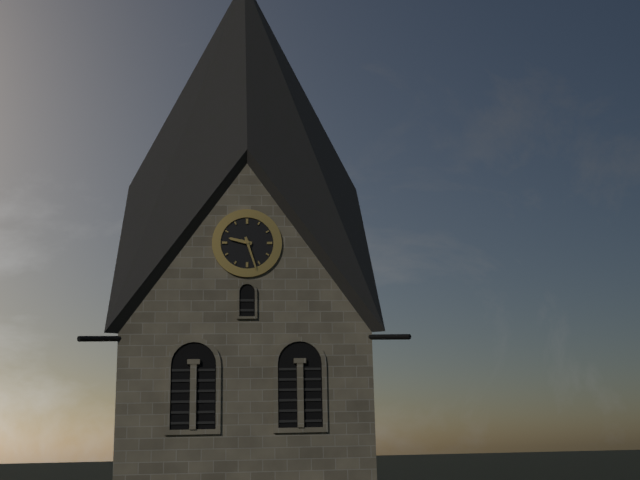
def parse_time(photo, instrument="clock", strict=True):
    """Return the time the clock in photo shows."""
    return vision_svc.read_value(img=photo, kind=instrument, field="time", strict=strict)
9:27
